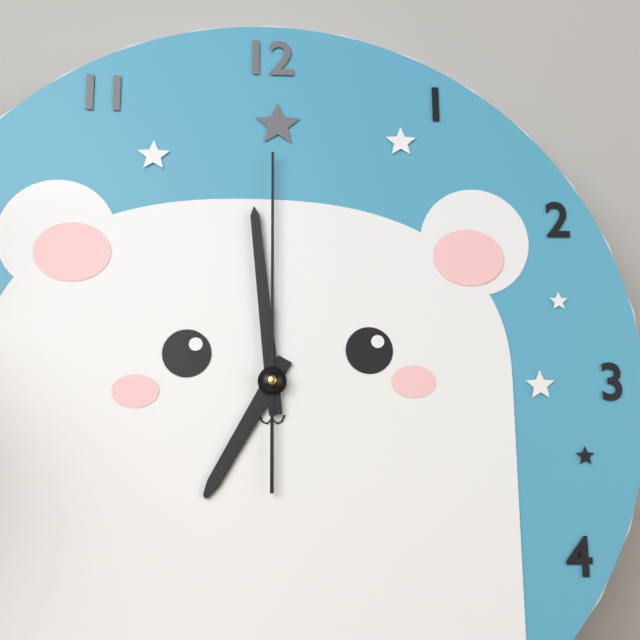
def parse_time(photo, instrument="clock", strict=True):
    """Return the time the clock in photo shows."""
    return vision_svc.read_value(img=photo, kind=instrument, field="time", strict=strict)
6:59:00
